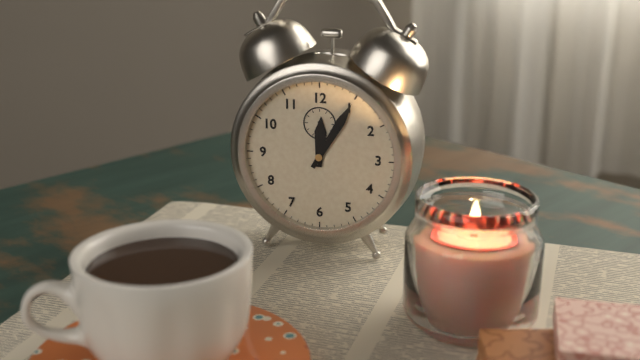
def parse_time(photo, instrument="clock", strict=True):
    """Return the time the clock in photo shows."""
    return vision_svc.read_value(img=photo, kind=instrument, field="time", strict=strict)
12:05
